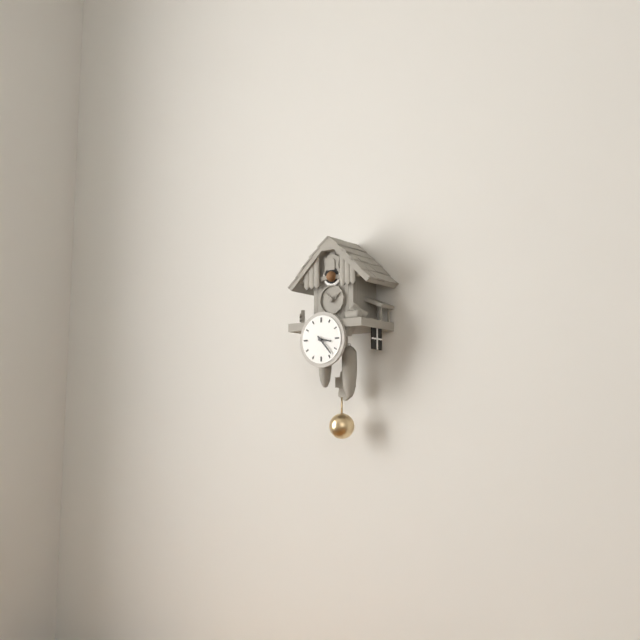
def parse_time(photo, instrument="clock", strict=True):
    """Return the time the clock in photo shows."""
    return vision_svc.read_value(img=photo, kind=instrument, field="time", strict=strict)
3:23
